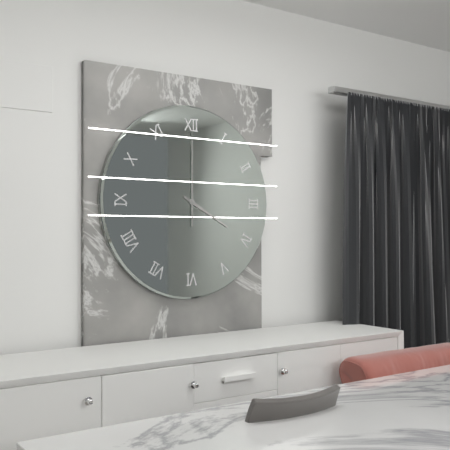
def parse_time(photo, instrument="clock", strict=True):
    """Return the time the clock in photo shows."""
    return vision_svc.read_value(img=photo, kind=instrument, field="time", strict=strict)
4:00
